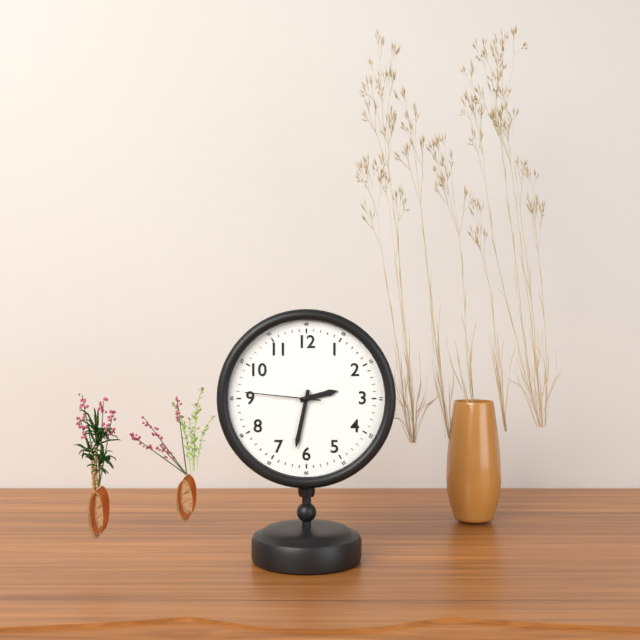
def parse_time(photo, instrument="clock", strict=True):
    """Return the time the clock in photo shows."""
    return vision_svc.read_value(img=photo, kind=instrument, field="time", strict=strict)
2:32:46
